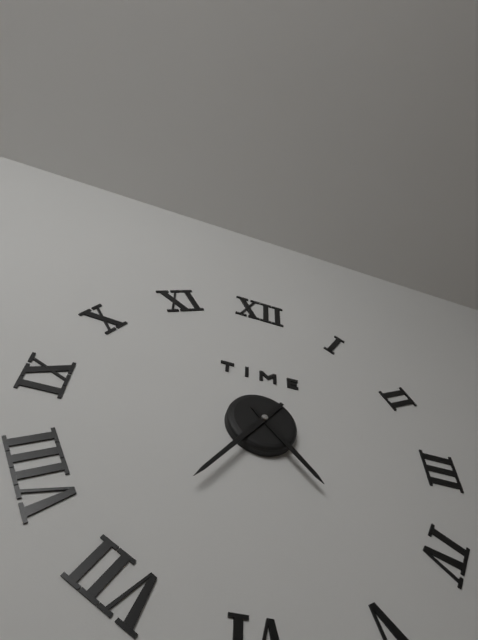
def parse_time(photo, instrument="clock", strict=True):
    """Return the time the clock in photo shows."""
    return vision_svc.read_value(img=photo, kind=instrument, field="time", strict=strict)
4:36
